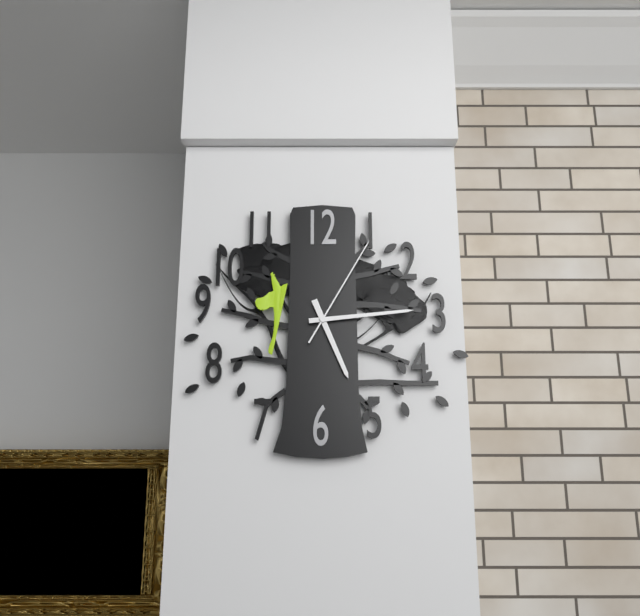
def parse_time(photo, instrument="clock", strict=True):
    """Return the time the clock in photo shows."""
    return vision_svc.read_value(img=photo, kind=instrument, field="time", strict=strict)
5:14:05
